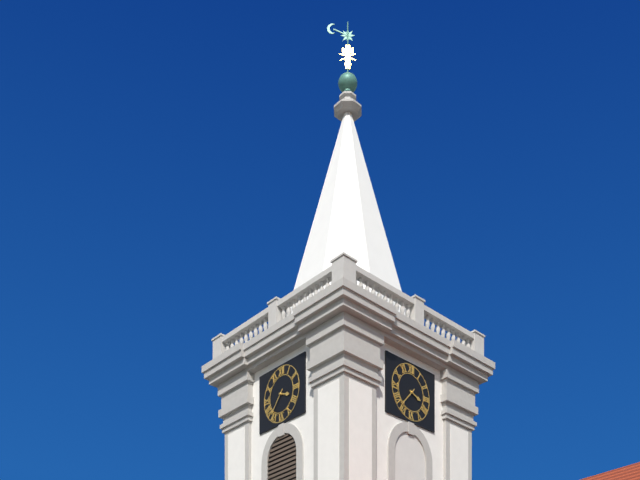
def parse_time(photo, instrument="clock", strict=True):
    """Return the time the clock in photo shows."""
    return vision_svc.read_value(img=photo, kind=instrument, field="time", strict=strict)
3:37
